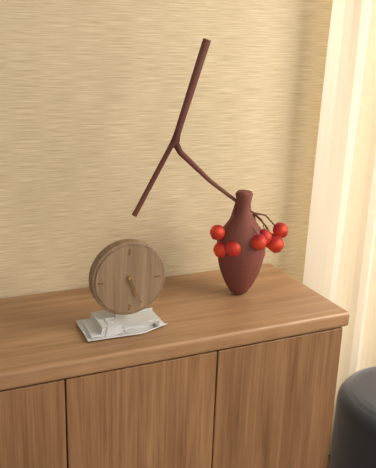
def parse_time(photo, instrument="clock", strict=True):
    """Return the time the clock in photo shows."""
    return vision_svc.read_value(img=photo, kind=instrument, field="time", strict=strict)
5:26
